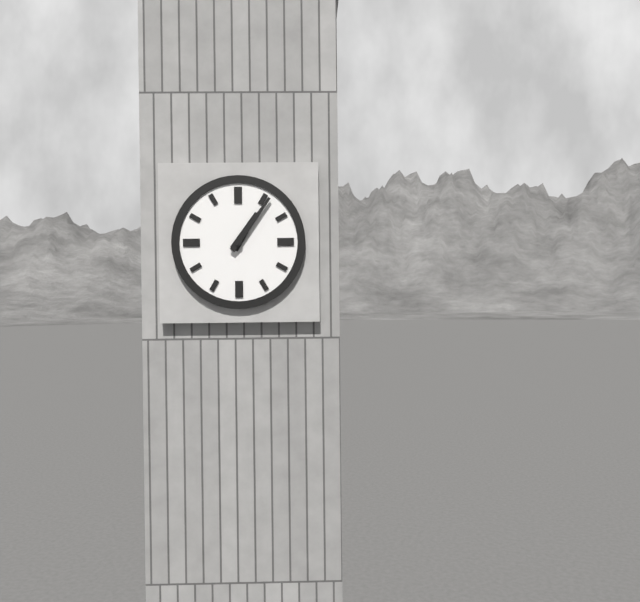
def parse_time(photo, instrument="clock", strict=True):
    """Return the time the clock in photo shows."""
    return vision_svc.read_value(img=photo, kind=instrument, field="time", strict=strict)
1:06
